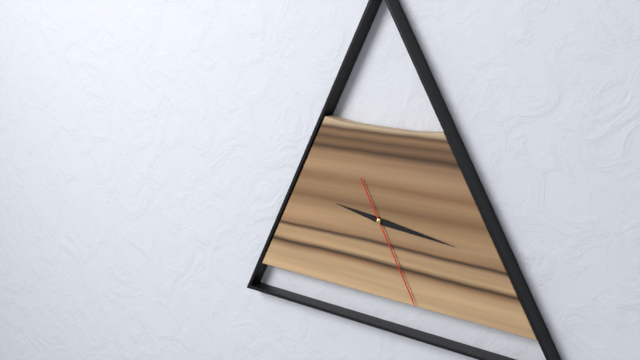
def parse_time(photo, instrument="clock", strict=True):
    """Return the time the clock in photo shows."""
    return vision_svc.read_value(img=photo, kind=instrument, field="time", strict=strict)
9:16:25
